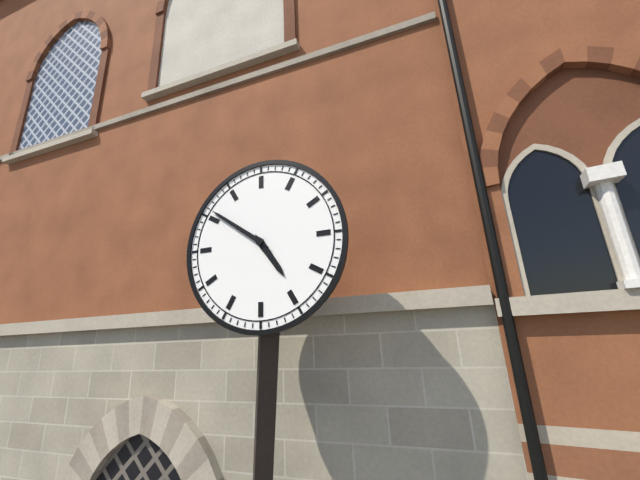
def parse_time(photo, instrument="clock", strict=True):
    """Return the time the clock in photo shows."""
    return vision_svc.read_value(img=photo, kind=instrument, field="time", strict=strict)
4:51
